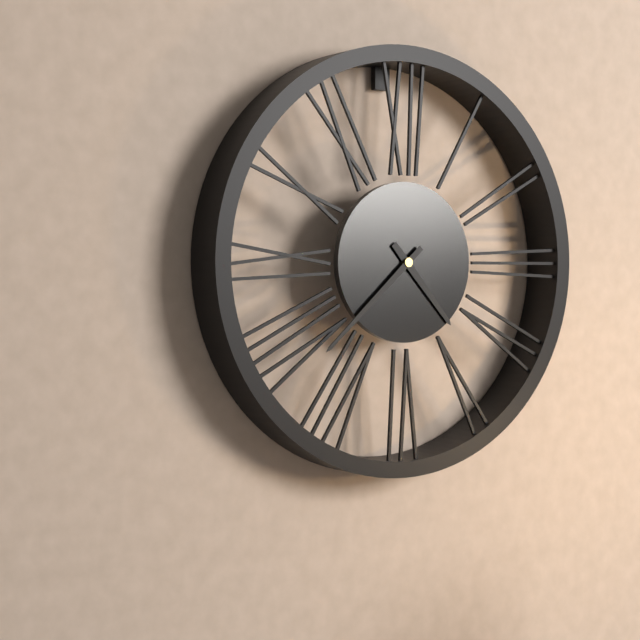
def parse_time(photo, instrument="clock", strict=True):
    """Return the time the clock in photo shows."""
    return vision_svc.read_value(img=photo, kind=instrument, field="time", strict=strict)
4:38
